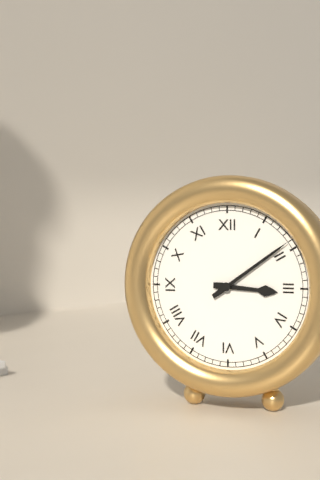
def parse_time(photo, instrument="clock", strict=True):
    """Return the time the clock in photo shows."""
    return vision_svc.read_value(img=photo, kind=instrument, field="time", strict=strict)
3:09
